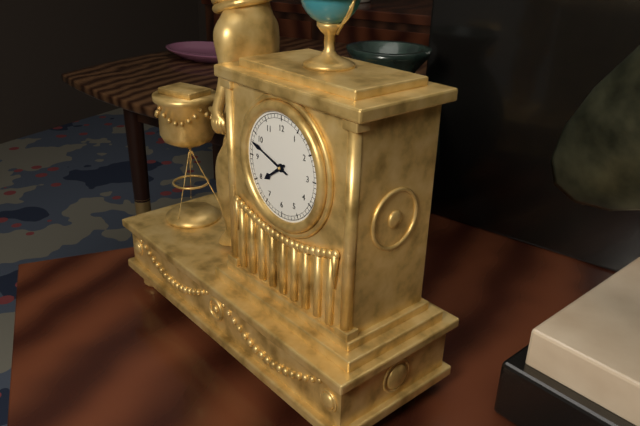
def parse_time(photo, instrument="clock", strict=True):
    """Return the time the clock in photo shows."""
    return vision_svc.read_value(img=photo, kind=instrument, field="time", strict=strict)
7:48
